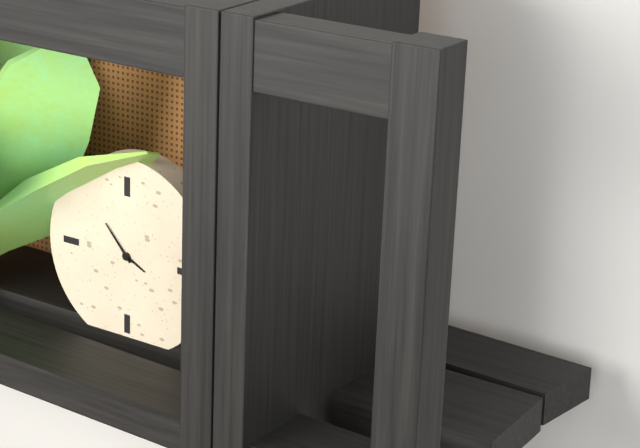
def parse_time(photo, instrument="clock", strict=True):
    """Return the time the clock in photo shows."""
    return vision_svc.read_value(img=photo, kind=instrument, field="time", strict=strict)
3:53
